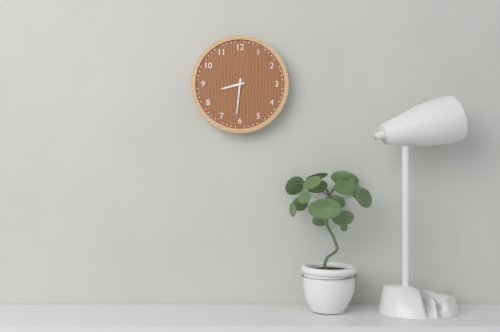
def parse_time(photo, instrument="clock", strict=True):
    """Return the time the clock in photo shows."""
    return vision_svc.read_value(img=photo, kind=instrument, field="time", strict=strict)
8:31
